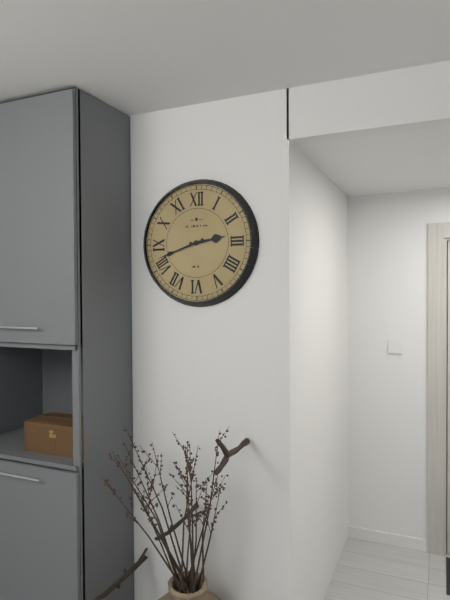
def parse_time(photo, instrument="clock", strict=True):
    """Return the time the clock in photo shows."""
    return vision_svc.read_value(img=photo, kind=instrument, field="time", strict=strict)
2:42
